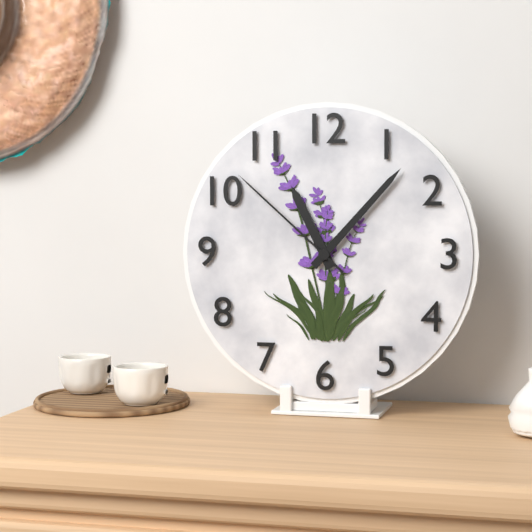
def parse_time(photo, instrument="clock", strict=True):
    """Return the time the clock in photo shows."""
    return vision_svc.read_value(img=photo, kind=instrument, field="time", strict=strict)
11:07:52
